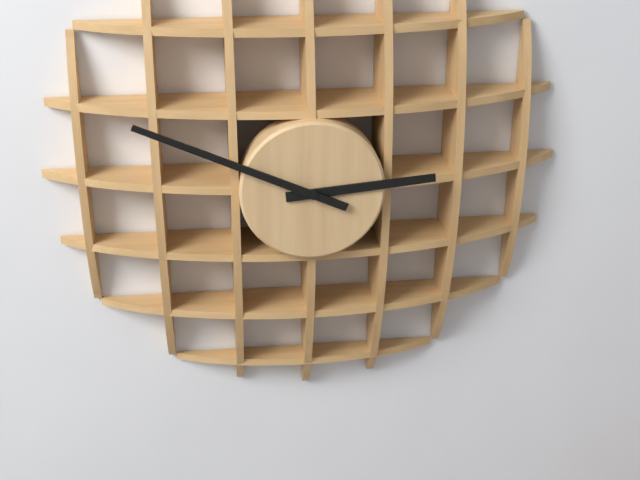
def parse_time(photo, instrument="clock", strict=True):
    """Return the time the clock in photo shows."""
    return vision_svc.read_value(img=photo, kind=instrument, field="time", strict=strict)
2:49
